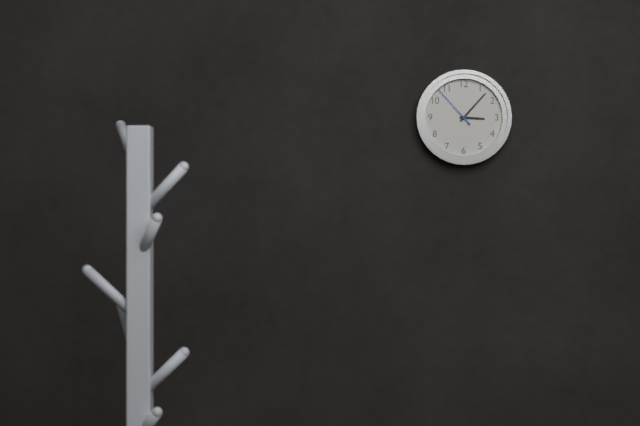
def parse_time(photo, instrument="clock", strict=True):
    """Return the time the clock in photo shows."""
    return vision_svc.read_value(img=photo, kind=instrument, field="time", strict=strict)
3:07
